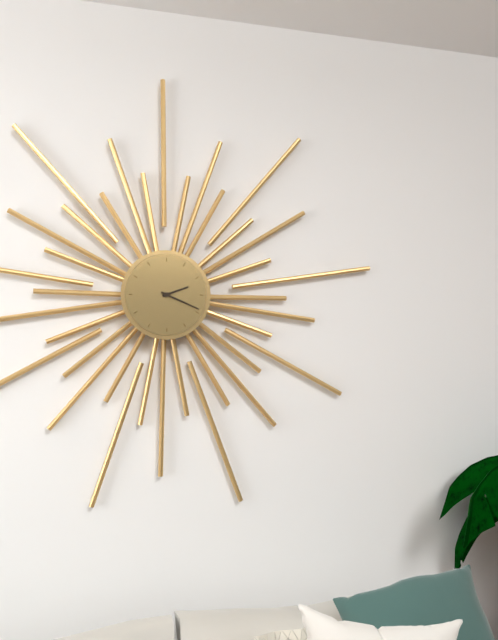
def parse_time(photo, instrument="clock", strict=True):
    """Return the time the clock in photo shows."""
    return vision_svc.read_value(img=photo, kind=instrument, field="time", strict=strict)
2:19
